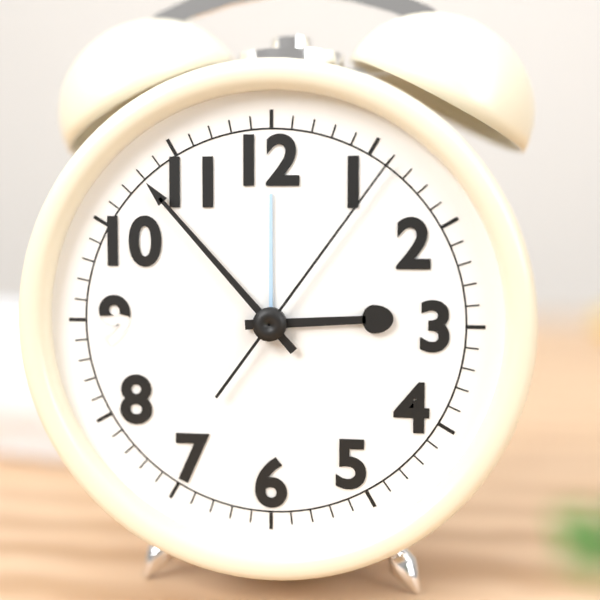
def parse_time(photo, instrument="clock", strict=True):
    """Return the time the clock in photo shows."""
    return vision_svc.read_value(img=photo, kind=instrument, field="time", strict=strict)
2:53:06
